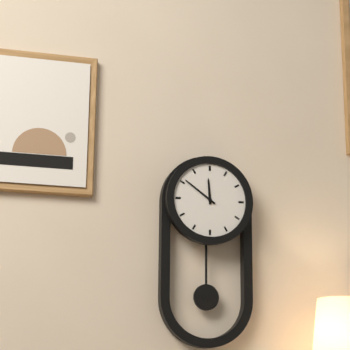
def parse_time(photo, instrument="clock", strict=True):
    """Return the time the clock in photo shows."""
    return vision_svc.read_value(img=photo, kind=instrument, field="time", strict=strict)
11:51
